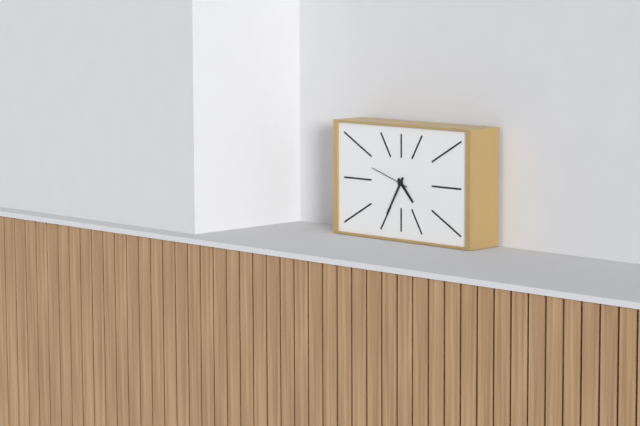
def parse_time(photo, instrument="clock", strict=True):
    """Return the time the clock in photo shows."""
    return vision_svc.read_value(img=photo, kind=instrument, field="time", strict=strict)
4:35
